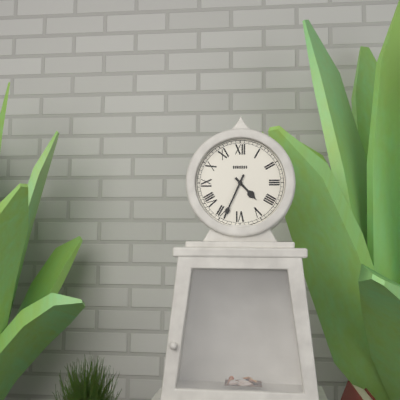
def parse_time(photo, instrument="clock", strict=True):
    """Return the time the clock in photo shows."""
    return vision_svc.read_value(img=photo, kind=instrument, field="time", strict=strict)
4:34
